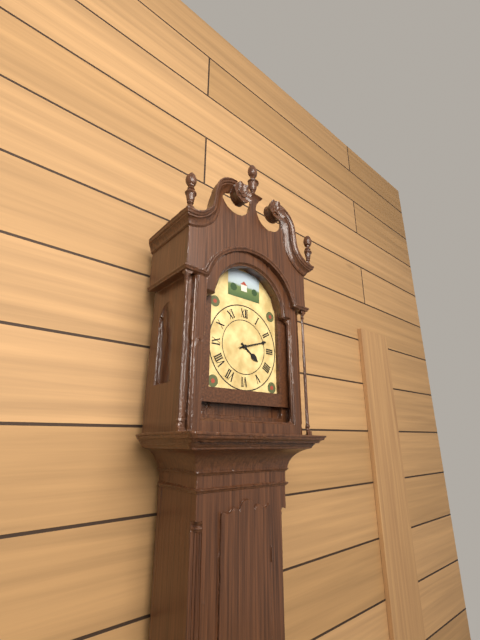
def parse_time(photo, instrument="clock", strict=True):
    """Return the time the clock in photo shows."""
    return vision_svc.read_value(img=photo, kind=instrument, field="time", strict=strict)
4:12
